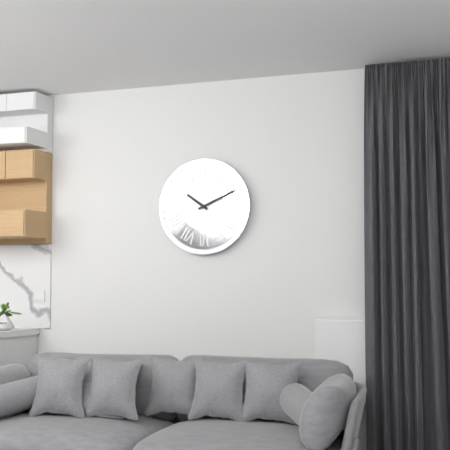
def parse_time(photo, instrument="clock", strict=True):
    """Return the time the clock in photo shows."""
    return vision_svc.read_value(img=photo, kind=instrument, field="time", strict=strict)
10:11
